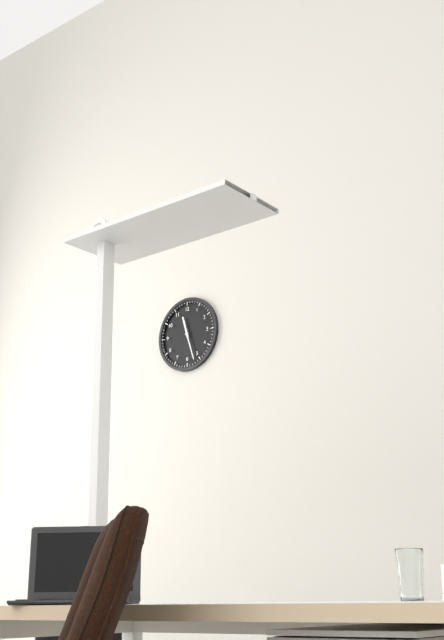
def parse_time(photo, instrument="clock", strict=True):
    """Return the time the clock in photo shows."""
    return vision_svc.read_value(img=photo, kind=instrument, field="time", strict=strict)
11:27
